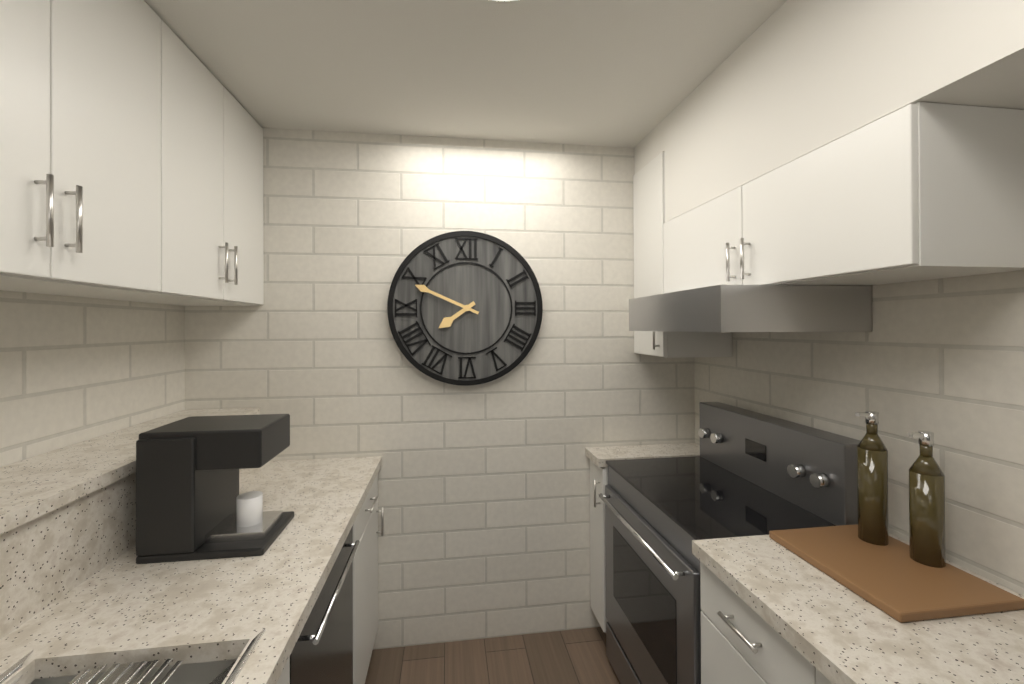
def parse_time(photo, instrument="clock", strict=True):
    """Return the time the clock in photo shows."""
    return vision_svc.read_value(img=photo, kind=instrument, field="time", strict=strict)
7:49
